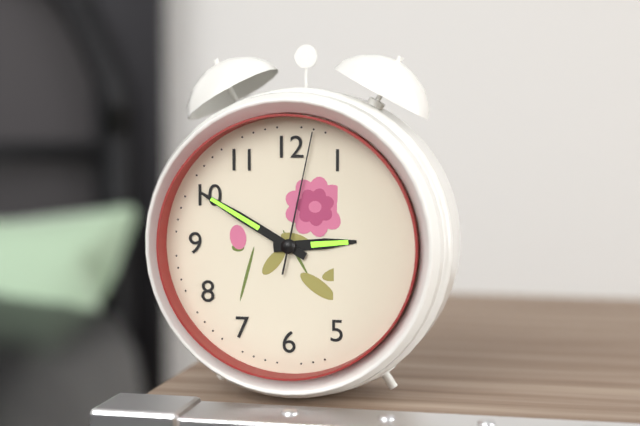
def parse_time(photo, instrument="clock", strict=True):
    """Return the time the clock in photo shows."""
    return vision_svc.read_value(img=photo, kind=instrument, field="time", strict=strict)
2:50:02
